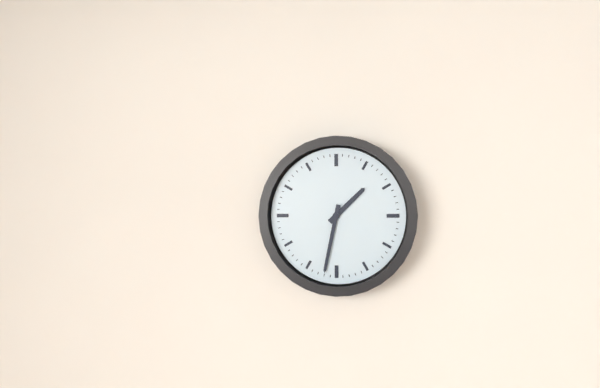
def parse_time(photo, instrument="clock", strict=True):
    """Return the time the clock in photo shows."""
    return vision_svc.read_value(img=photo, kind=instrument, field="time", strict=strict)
1:32
